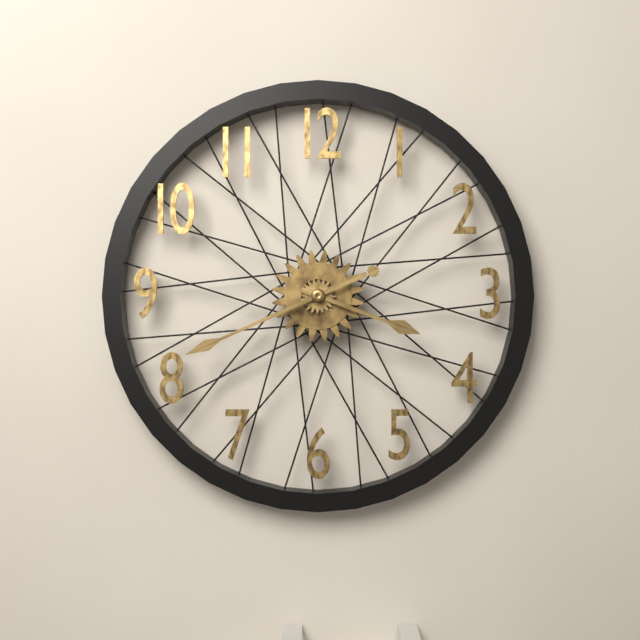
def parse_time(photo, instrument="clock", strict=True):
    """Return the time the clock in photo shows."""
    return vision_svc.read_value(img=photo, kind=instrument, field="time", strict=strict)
3:41
